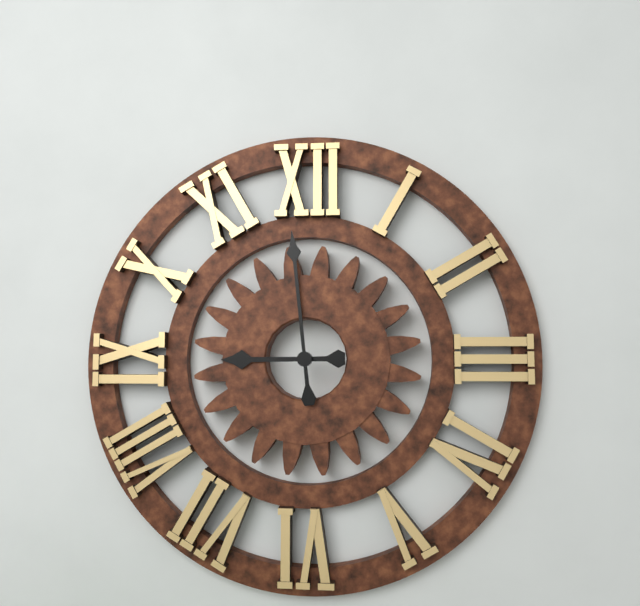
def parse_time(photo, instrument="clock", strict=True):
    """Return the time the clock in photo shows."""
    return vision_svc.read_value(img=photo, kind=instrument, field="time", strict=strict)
8:59
